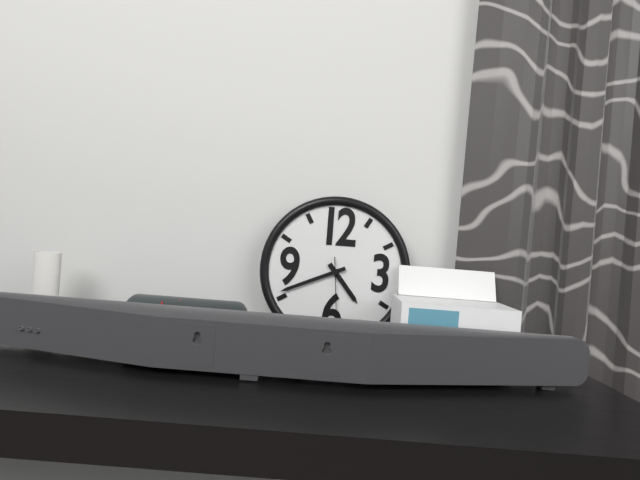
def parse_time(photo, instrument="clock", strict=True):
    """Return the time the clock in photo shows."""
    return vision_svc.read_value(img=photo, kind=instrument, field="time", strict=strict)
4:41:29
